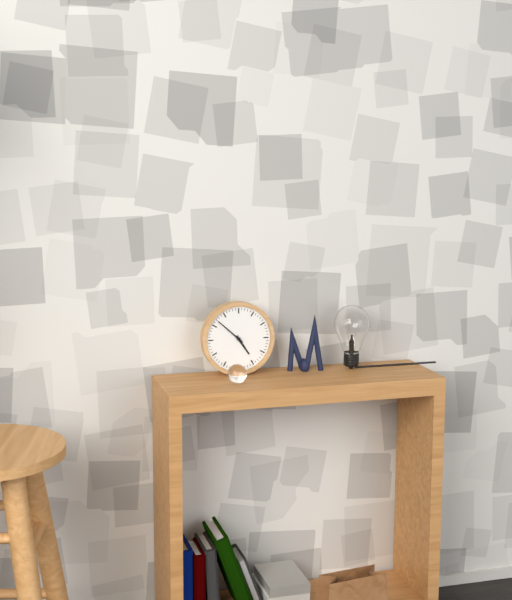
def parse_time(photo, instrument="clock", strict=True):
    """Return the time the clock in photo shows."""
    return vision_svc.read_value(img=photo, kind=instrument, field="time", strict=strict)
4:52
